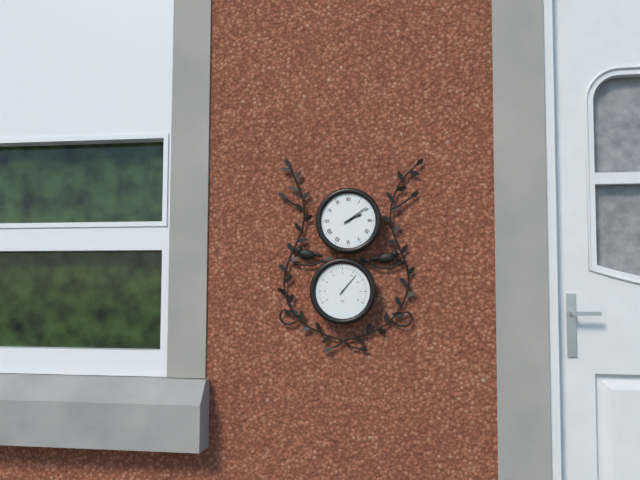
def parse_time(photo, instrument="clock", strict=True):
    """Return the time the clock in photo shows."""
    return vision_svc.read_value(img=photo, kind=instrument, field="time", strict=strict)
2:09
